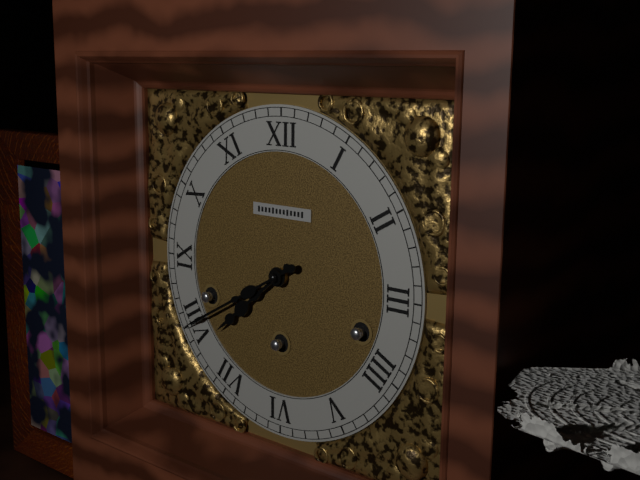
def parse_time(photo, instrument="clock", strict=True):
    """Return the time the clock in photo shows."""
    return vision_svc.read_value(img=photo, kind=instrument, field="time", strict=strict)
7:40
